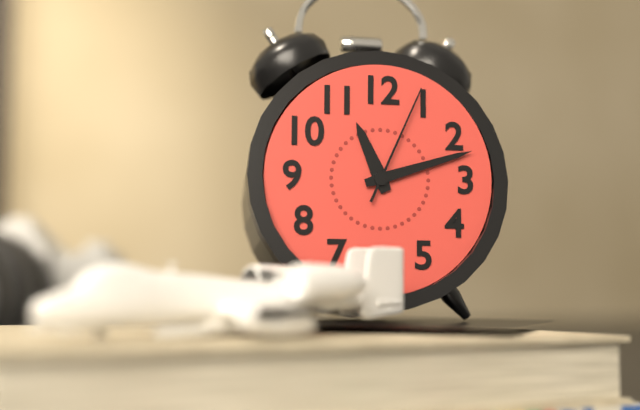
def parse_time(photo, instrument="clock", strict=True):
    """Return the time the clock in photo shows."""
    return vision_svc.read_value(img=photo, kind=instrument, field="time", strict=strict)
11:12:04
